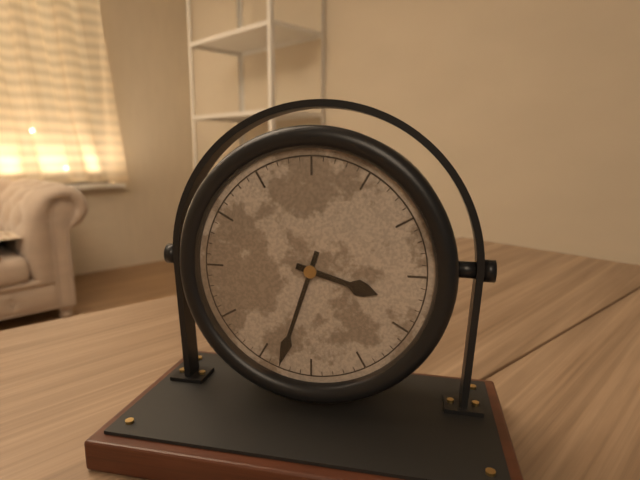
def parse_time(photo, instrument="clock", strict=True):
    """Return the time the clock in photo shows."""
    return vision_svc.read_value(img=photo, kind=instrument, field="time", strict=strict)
3:33
